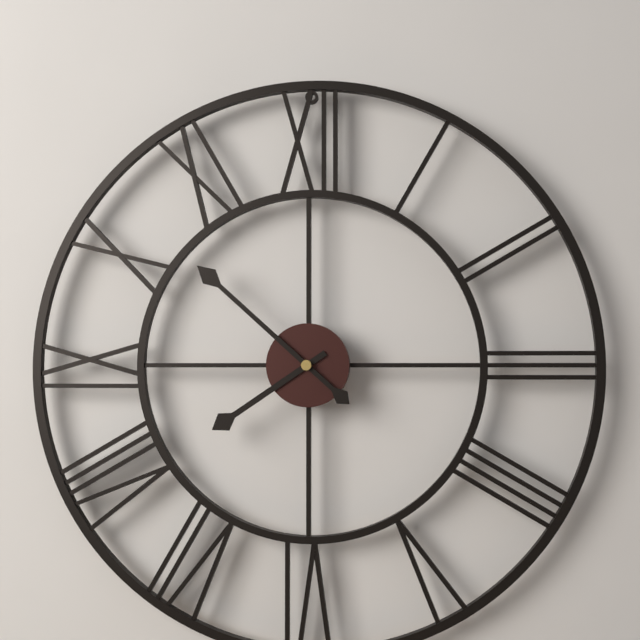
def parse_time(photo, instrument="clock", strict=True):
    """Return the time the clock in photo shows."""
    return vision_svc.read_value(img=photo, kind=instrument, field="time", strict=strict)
7:52
